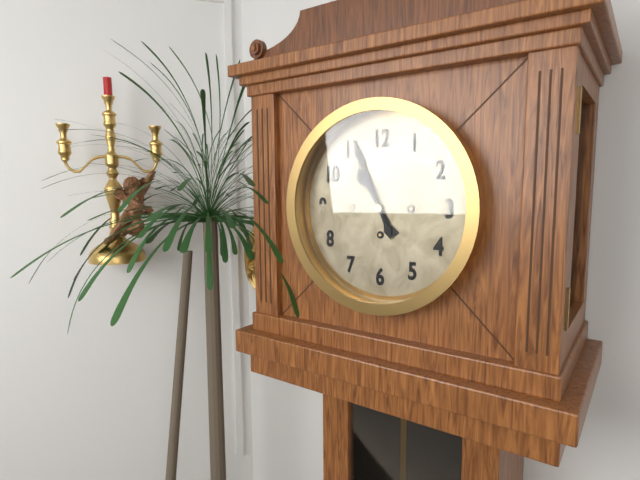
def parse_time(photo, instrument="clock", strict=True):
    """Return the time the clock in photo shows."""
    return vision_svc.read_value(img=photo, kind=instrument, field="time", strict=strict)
10:56
